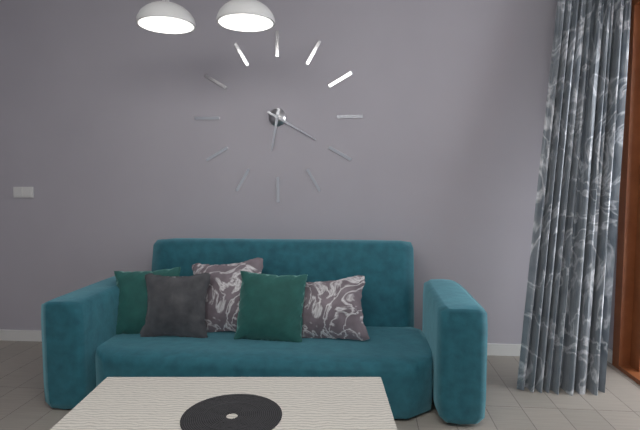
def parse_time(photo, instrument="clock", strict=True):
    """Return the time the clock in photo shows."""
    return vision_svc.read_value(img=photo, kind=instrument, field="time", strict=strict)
6:20
